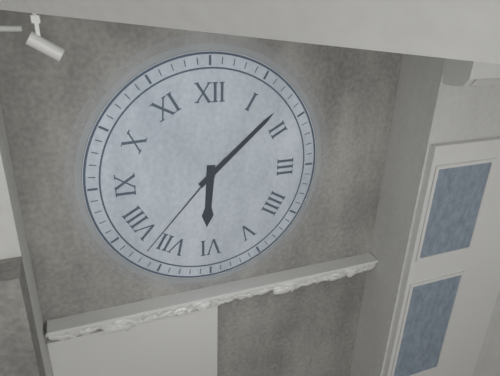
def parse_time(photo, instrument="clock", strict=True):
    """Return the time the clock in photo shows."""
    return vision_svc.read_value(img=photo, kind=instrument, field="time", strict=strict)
6:08:37
